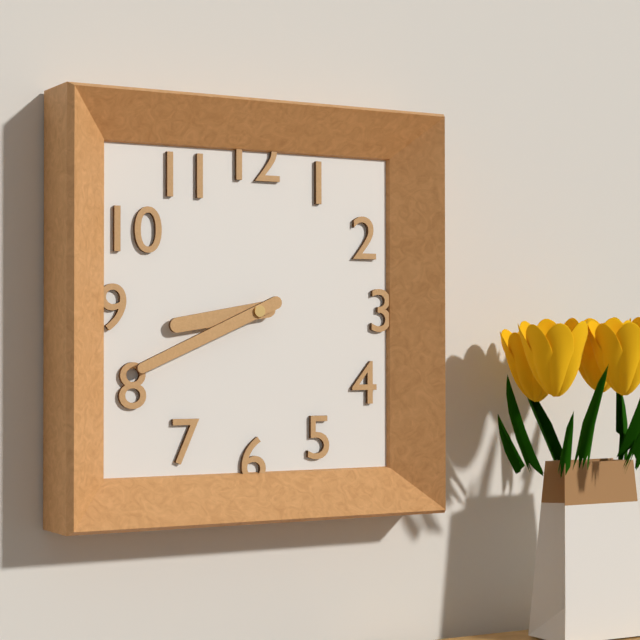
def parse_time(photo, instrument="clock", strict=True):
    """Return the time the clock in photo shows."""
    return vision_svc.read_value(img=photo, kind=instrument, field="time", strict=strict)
8:41
